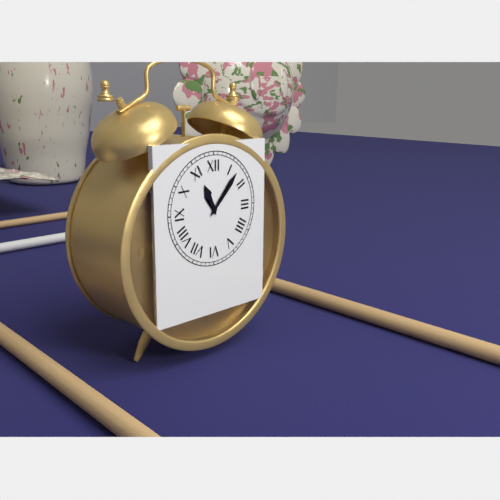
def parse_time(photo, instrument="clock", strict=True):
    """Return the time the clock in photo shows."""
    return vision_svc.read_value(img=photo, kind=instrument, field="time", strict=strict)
11:07
